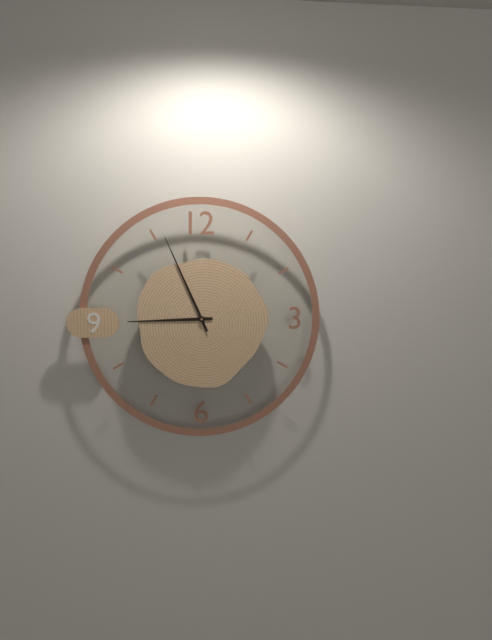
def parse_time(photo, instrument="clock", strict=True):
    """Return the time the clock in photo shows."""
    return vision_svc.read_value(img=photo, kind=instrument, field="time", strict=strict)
8:56
